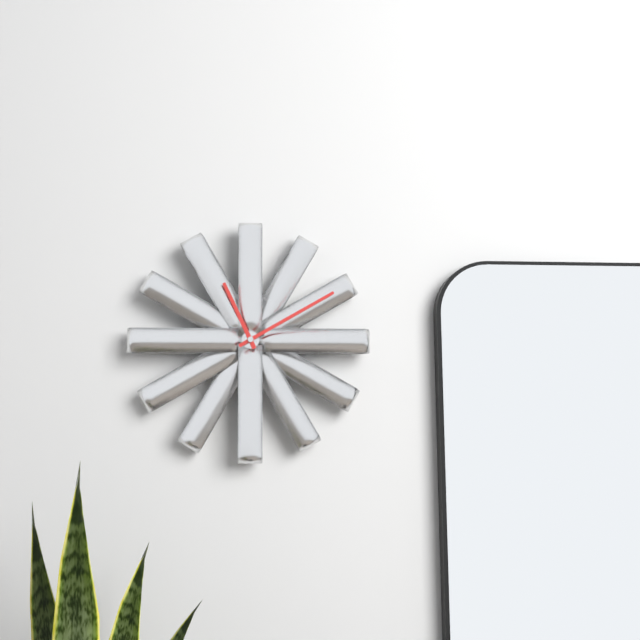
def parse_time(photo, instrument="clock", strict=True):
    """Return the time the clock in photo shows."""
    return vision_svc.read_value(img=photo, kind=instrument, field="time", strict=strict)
11:10
